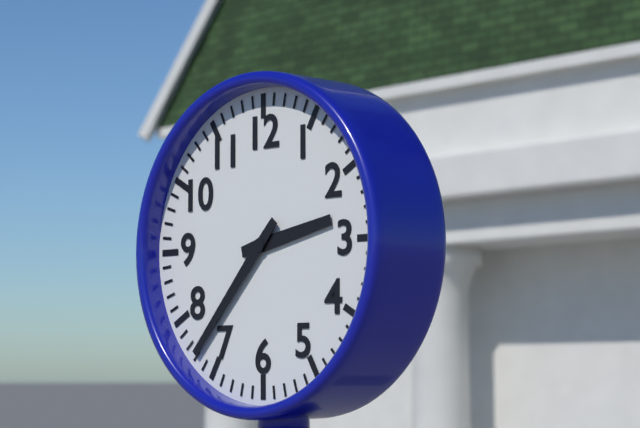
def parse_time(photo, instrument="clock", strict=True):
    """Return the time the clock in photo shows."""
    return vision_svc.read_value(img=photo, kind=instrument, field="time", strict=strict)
2:37
